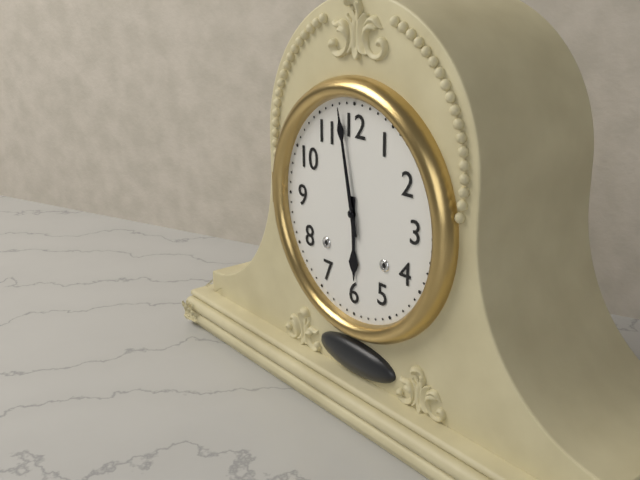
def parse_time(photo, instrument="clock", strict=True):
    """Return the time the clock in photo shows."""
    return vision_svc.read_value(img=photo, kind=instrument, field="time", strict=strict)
5:58
